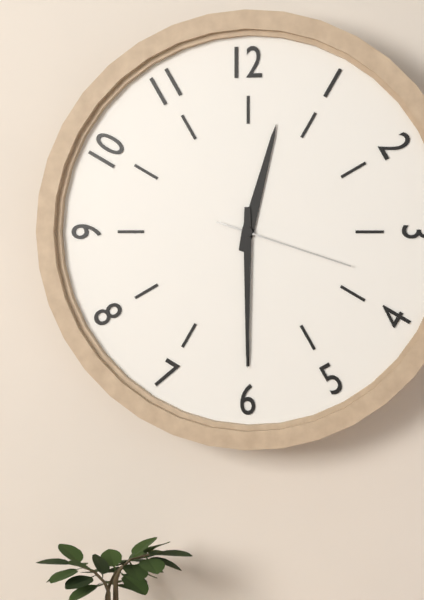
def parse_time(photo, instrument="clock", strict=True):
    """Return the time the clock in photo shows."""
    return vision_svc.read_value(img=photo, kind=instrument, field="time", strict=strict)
12:30:18
